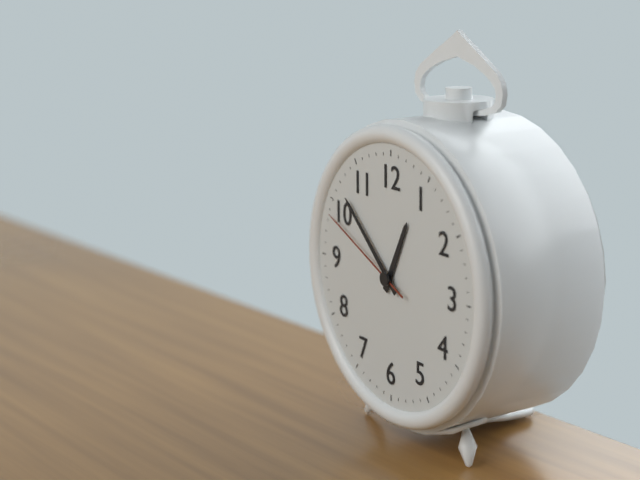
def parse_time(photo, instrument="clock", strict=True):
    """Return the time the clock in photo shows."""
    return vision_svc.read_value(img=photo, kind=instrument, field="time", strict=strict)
12:52:49
